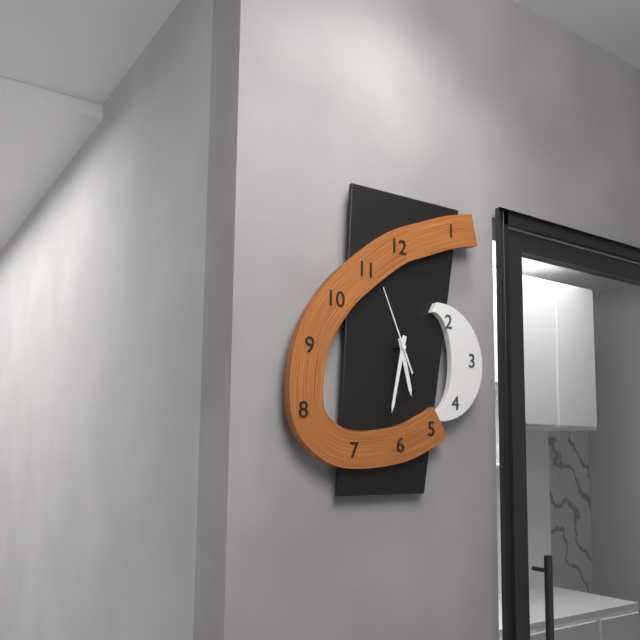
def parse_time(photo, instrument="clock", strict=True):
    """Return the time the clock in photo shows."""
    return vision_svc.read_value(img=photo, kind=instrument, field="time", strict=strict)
5:32:56
